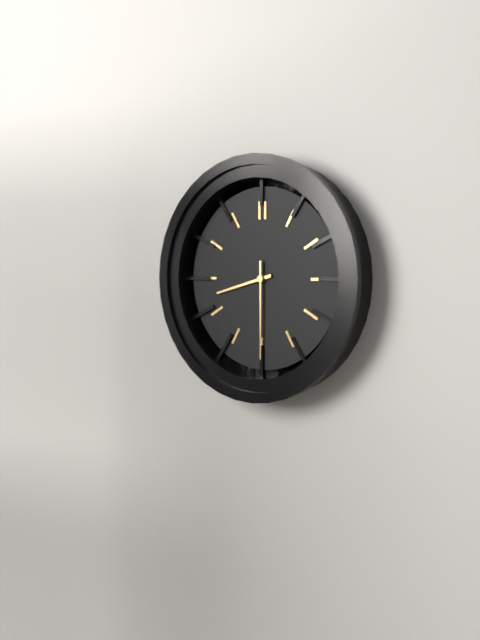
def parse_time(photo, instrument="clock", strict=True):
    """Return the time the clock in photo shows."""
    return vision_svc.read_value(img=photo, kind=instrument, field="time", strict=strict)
8:30
